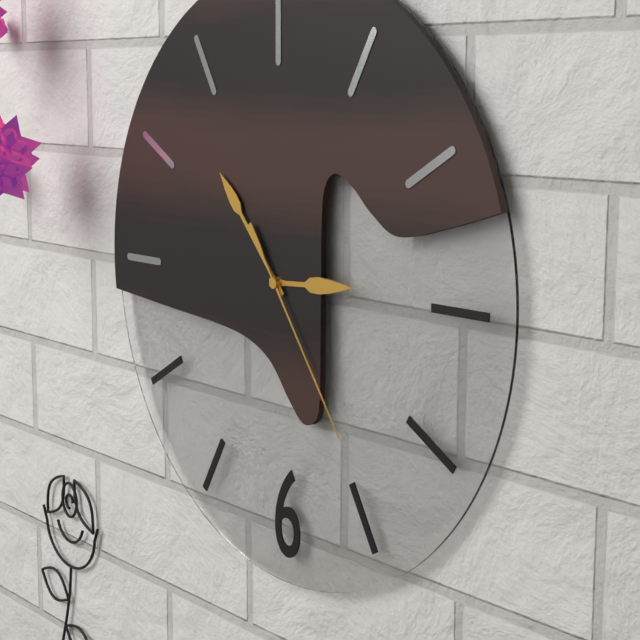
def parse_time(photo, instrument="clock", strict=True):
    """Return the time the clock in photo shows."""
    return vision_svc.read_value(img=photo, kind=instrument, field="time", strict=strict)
2:53:24
